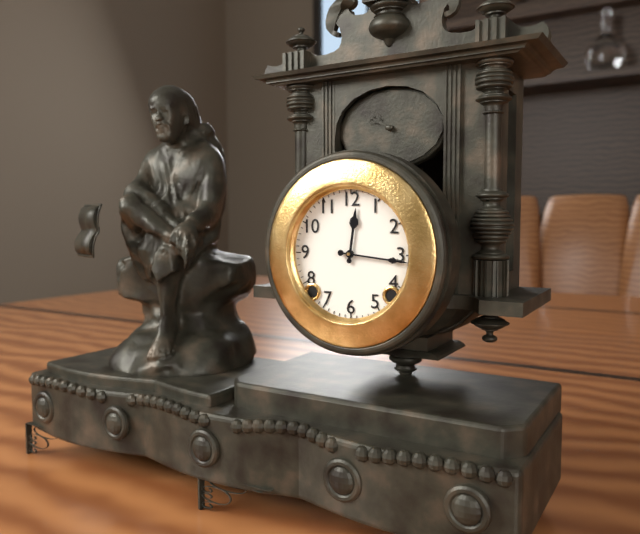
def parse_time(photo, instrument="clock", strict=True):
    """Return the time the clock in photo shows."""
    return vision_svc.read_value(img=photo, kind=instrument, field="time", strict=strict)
12:16
